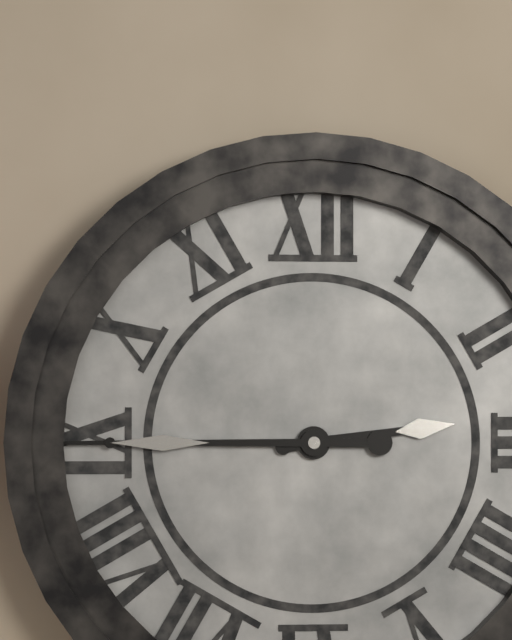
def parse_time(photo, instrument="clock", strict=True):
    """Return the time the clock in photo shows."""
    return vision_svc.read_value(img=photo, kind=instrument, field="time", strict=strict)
2:45
